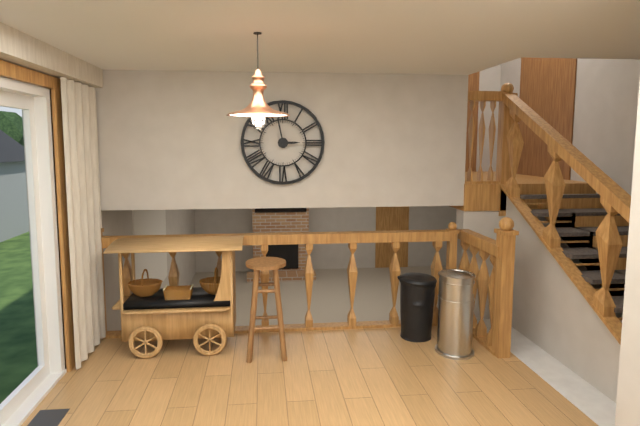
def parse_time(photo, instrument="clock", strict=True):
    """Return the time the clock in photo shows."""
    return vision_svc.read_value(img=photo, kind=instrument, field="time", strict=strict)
2:58
